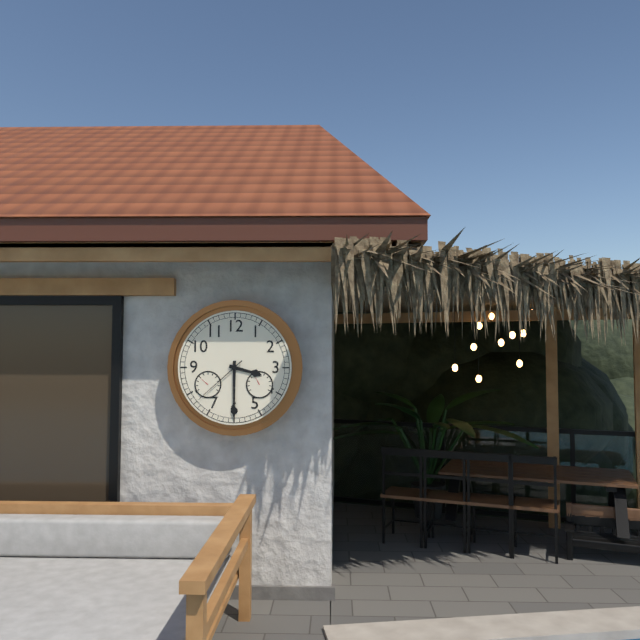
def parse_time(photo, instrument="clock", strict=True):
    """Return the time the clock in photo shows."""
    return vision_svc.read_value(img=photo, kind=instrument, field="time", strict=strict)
3:30:38
